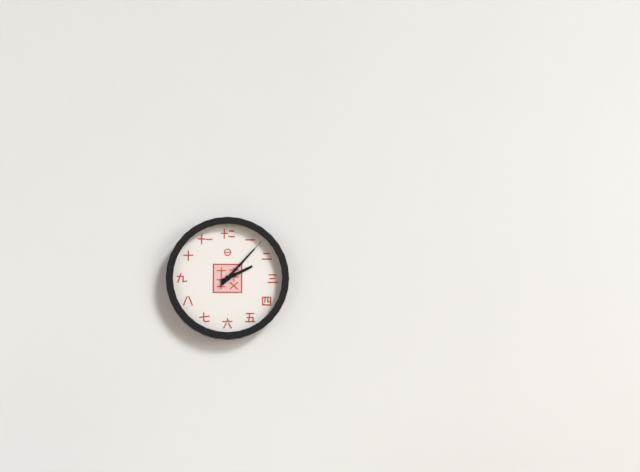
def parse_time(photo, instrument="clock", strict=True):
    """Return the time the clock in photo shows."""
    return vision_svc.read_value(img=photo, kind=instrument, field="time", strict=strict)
2:07:07
